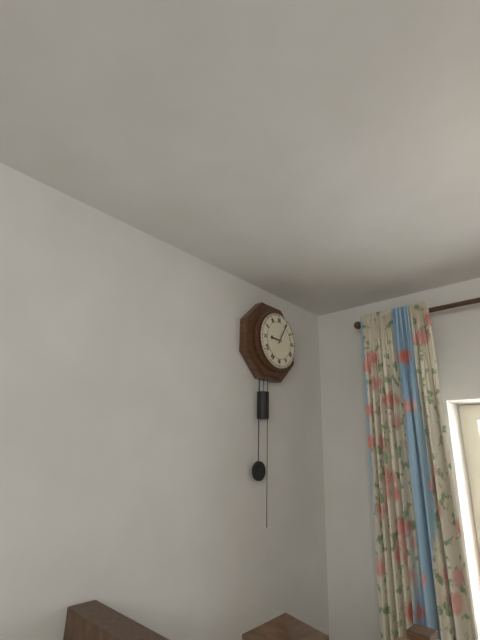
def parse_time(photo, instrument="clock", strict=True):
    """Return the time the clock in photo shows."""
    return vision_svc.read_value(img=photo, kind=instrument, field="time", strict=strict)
9:05
